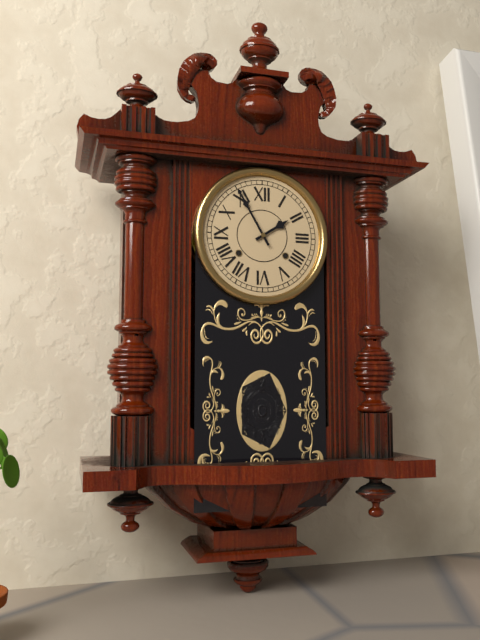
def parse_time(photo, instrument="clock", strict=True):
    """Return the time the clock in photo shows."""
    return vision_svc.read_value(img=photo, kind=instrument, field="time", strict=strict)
1:55
